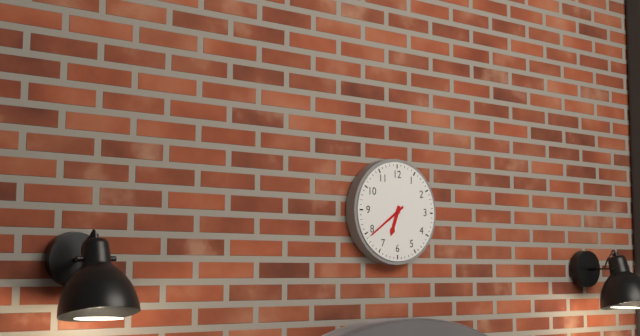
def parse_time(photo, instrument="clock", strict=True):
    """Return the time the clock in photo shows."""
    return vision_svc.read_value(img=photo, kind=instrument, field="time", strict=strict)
6:39
